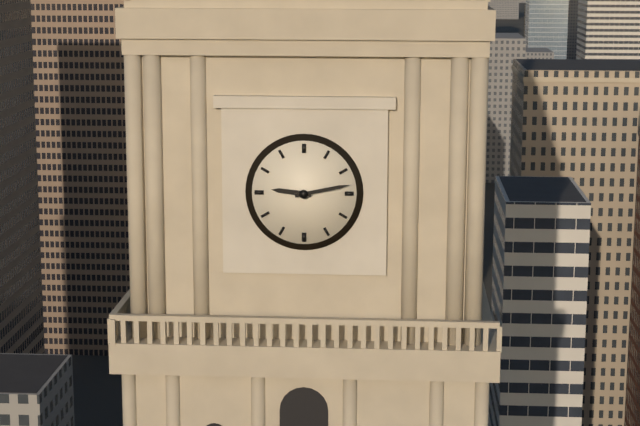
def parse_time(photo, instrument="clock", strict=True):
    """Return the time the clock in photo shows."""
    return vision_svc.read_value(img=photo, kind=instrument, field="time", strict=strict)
9:13
